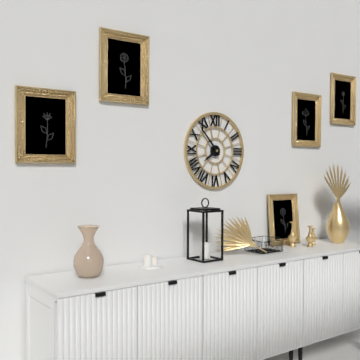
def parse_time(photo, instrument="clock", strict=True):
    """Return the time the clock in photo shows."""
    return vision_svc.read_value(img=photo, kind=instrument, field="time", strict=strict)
7:53
